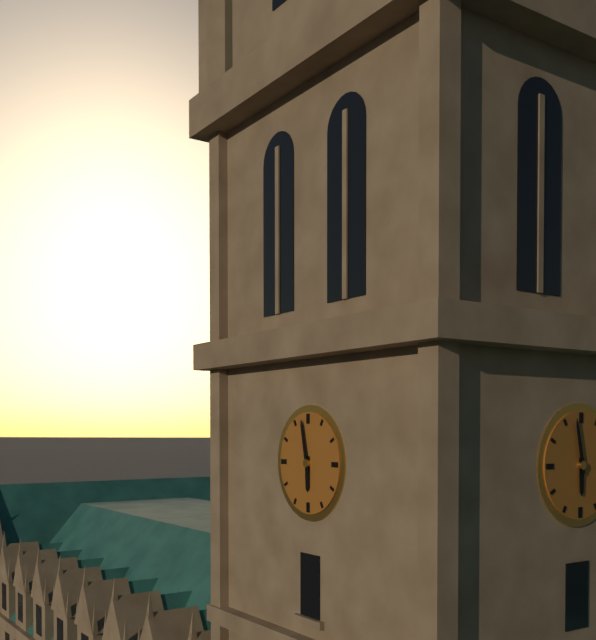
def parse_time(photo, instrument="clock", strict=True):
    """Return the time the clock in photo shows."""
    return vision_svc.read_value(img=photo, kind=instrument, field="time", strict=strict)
5:58
